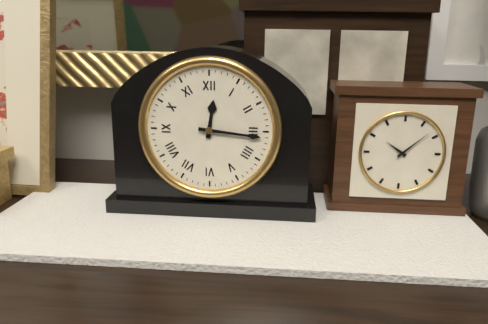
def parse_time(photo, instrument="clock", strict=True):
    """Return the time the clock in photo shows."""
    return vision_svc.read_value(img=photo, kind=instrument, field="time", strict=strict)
12:16
